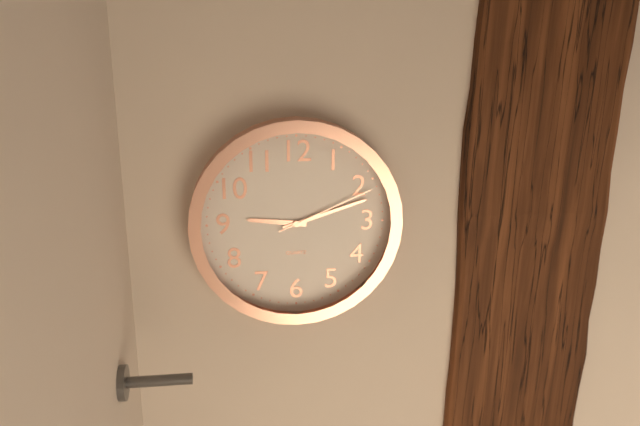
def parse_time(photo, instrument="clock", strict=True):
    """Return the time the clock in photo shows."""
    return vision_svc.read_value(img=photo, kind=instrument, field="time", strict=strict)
9:12:11
